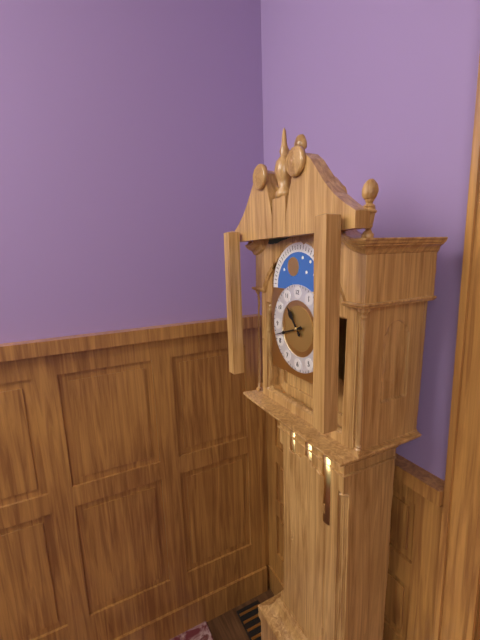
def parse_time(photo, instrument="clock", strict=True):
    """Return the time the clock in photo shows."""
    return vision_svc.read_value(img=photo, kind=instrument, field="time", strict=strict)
10:42
